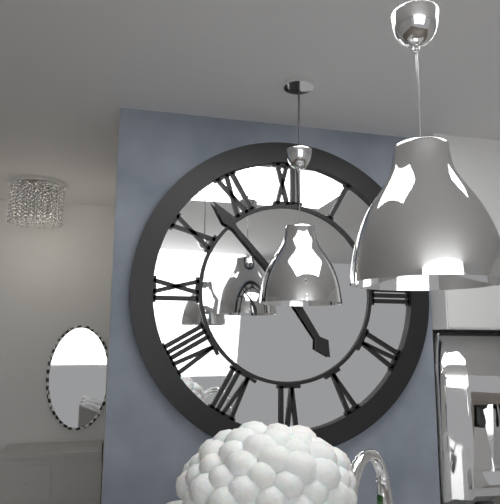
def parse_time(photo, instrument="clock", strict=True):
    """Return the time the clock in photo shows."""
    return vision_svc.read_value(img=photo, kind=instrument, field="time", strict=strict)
4:53
